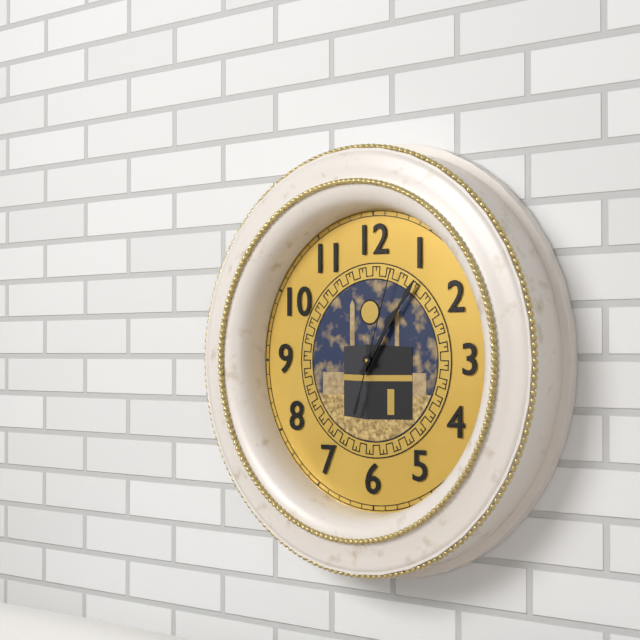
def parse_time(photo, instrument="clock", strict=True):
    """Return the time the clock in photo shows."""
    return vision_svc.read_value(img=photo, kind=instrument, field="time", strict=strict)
1:06:03
